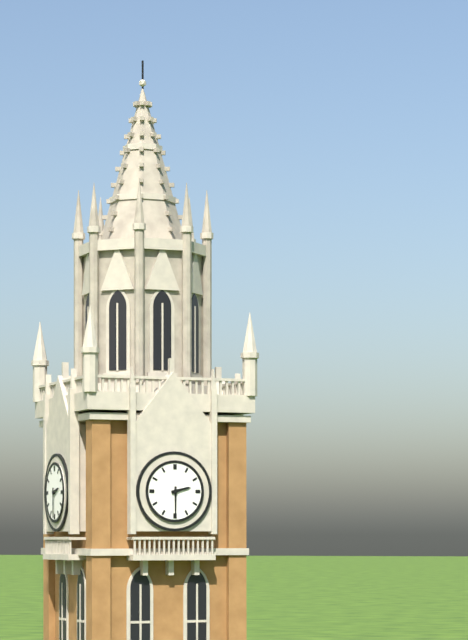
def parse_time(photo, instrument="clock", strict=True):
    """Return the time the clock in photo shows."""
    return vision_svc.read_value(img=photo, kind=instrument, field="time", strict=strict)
2:30
